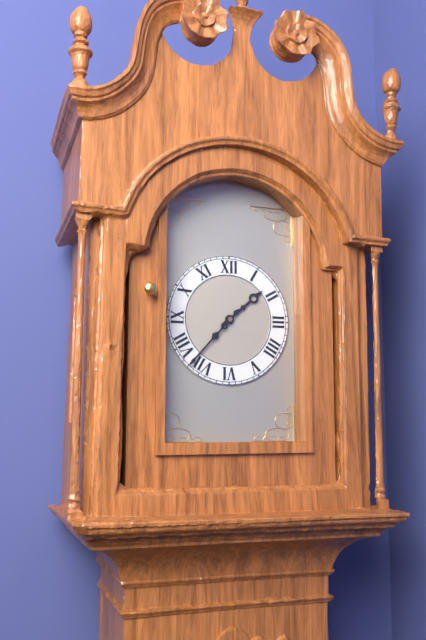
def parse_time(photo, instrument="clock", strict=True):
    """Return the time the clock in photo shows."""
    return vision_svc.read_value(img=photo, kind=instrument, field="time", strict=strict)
1:37
